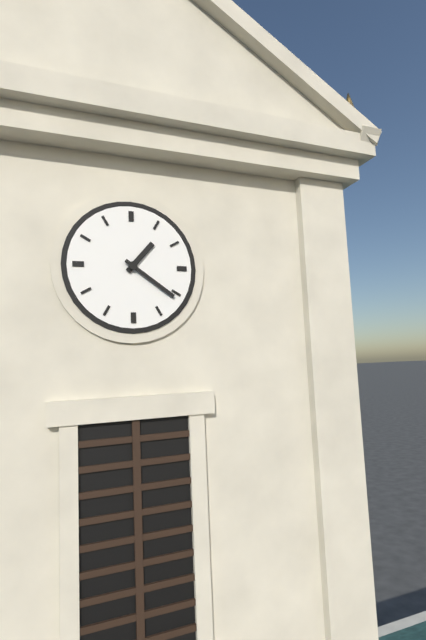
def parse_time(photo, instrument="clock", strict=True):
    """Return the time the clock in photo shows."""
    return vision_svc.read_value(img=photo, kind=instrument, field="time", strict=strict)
1:21
